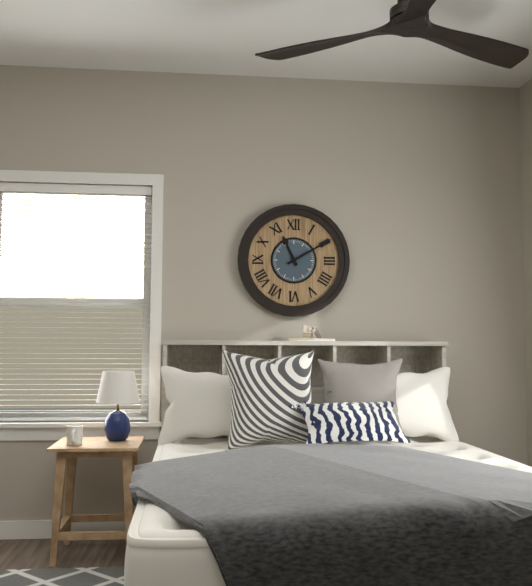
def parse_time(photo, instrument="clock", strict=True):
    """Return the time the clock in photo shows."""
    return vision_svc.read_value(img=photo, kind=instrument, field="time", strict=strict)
11:10
